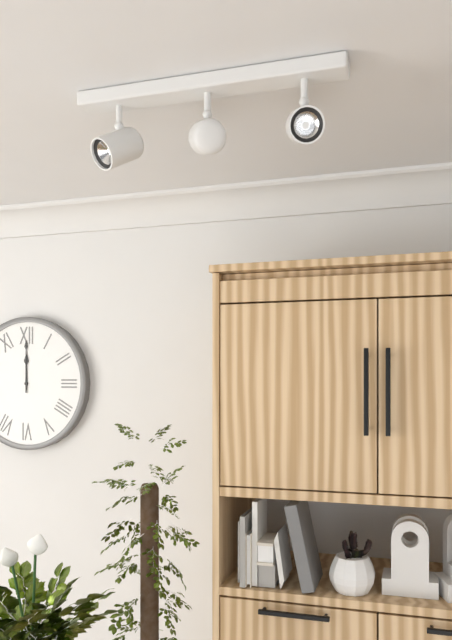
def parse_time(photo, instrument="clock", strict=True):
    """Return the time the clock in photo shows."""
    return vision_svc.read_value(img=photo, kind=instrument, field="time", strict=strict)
12:00
